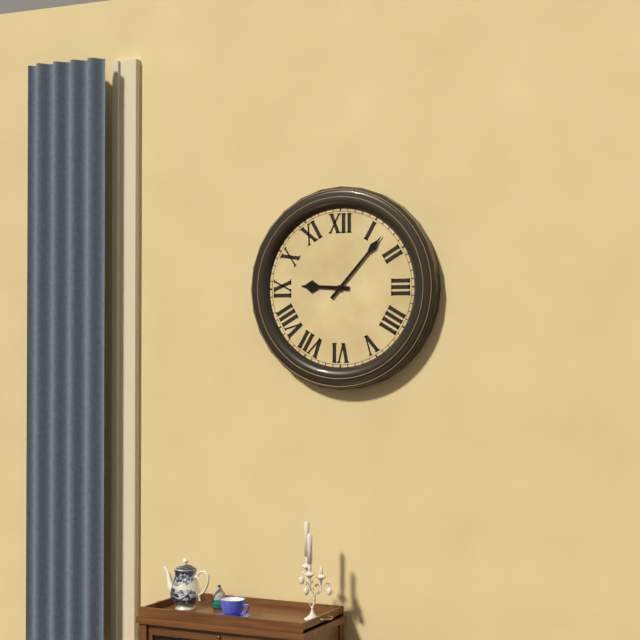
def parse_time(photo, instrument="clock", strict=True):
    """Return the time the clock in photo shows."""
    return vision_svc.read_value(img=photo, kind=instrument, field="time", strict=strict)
9:07
